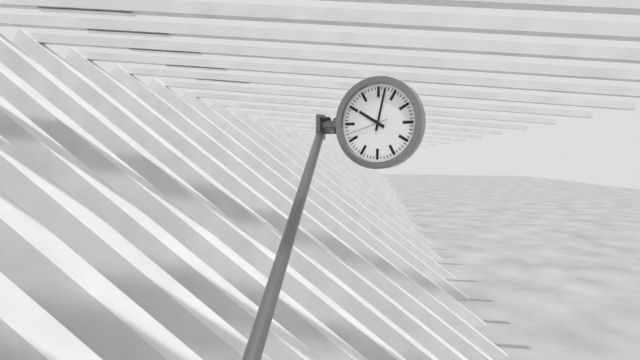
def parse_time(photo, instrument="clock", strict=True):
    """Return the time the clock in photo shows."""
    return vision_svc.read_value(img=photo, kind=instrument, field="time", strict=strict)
10:02
